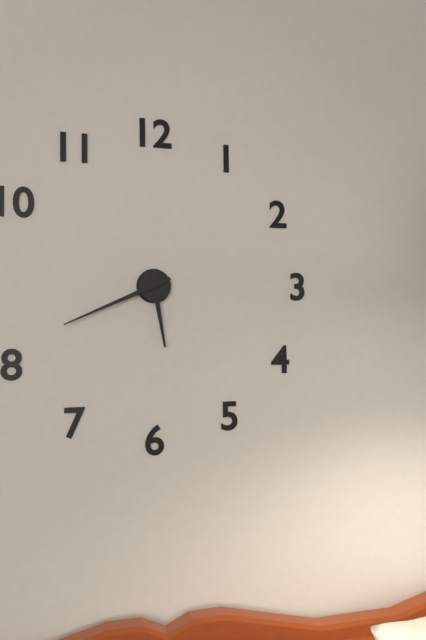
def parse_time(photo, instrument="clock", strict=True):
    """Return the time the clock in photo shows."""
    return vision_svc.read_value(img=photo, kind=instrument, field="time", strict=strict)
5:41
